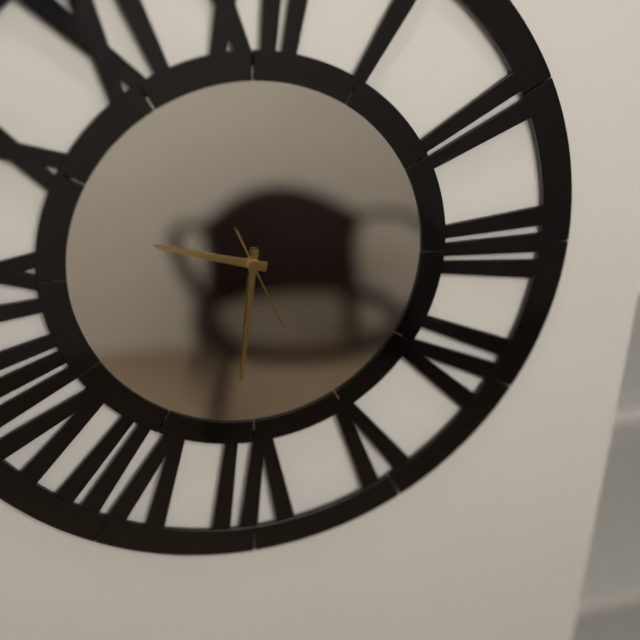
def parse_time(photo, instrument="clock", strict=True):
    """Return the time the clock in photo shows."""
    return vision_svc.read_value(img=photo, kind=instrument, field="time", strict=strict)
9:31:26
